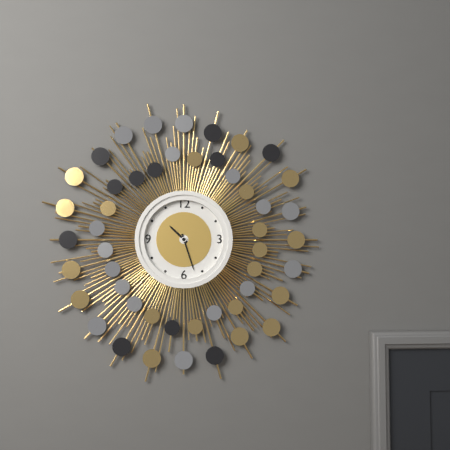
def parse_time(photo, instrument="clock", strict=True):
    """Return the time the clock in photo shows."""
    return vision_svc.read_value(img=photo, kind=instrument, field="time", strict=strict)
10:27
